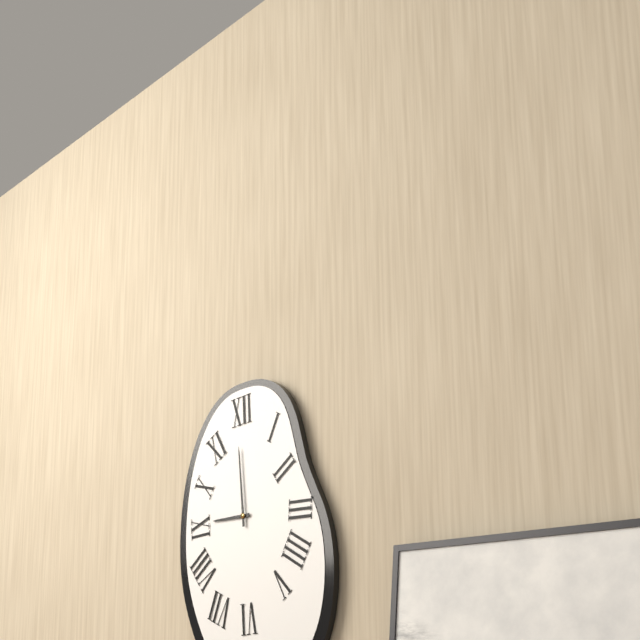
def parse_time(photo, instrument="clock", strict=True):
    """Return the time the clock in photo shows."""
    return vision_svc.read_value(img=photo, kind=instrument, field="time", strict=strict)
8:59
